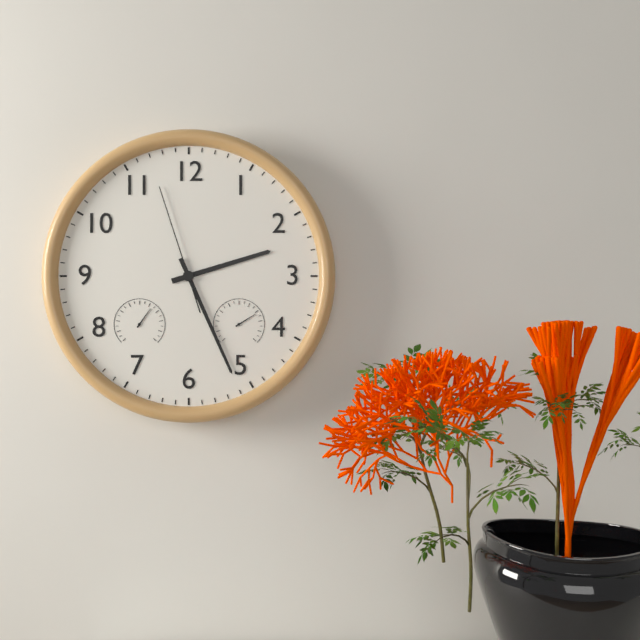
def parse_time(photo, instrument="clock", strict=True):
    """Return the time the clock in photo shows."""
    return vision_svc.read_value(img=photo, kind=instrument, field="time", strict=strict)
2:26:57
